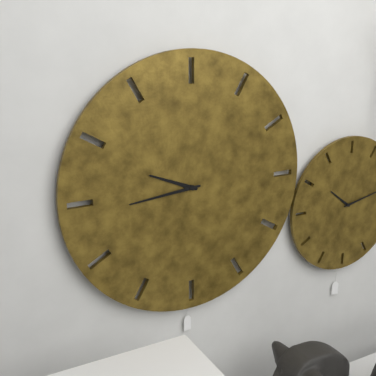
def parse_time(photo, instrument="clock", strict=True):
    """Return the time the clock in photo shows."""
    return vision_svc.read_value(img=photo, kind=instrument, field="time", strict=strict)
9:44
